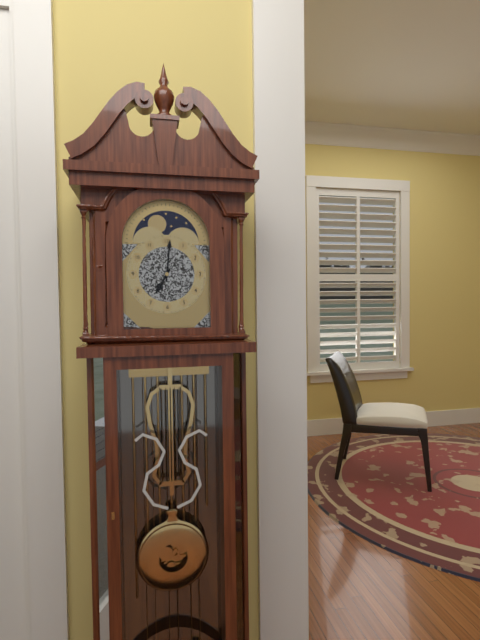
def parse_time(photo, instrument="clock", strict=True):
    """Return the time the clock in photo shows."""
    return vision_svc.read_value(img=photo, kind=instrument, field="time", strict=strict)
7:01
